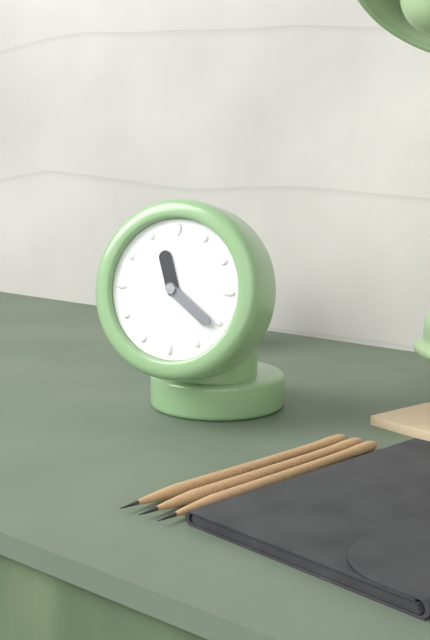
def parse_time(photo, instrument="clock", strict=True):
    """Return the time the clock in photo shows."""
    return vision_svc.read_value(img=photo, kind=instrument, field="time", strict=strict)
11:21
